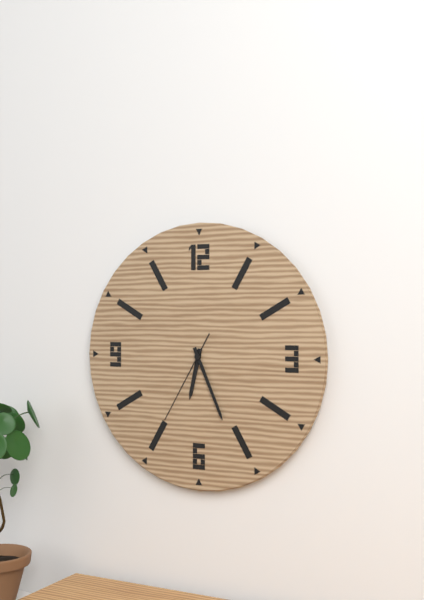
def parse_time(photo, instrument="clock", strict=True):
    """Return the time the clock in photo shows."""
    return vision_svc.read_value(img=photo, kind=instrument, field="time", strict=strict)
6:26:35
